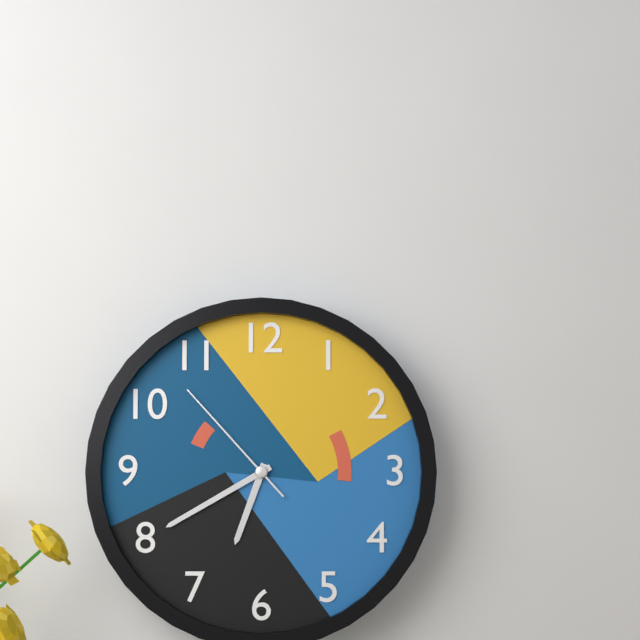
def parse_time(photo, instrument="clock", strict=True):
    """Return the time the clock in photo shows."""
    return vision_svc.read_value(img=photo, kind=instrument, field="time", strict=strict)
6:40:53
